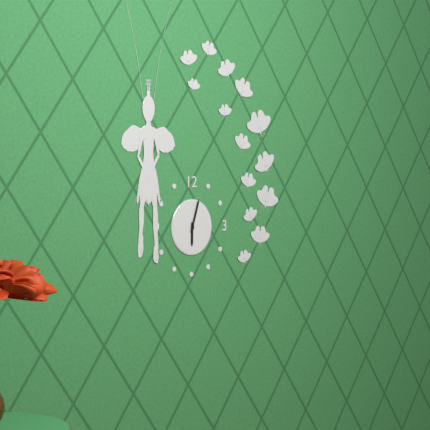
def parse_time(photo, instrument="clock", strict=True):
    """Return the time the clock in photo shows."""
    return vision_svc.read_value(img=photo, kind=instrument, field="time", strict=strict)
6:03
